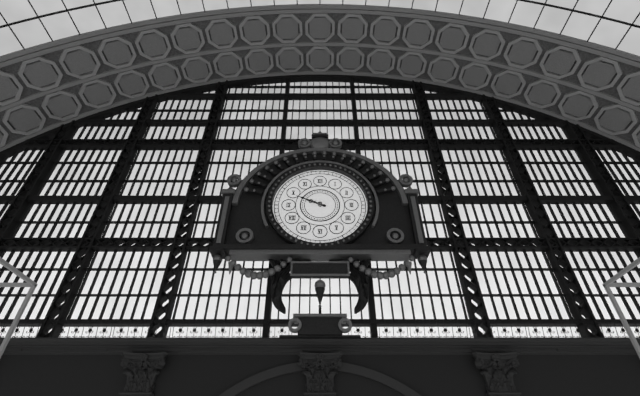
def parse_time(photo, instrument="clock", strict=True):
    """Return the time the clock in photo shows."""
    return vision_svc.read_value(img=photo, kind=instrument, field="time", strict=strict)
9:49
